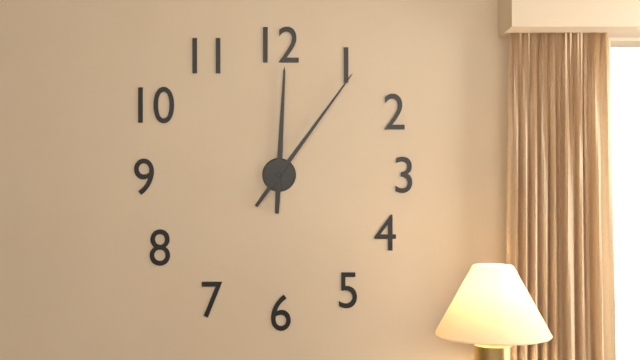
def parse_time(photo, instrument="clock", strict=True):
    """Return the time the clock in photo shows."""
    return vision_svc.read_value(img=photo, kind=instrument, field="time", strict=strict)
12:06
